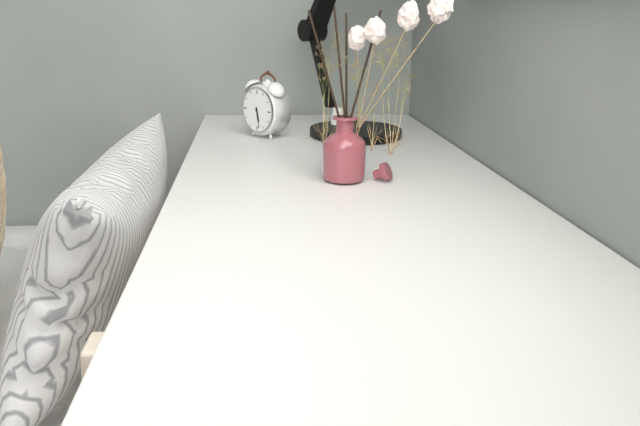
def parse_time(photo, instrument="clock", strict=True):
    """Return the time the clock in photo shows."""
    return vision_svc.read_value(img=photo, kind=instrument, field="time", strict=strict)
5:28
